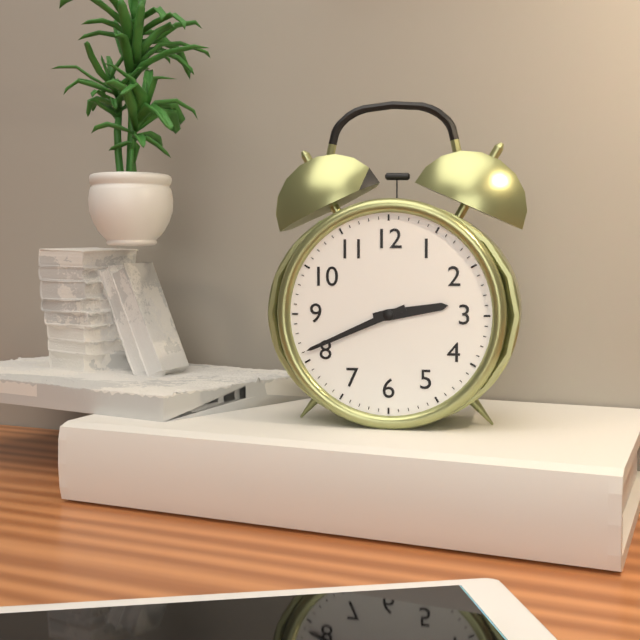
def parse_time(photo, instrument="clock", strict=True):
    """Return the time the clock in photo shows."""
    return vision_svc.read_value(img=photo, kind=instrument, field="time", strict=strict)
2:41
